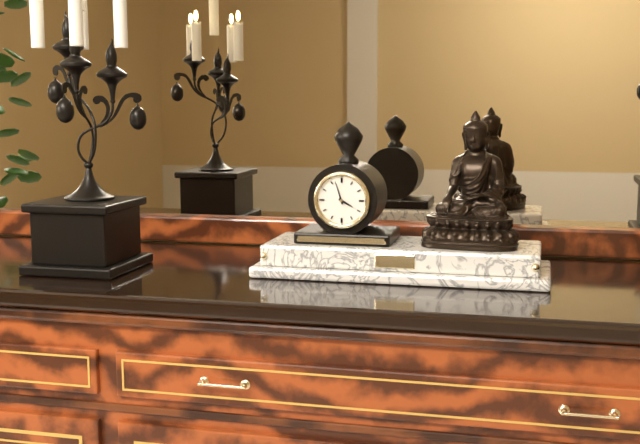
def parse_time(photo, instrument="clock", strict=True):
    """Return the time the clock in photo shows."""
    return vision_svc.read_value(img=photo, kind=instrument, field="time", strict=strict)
3:57
